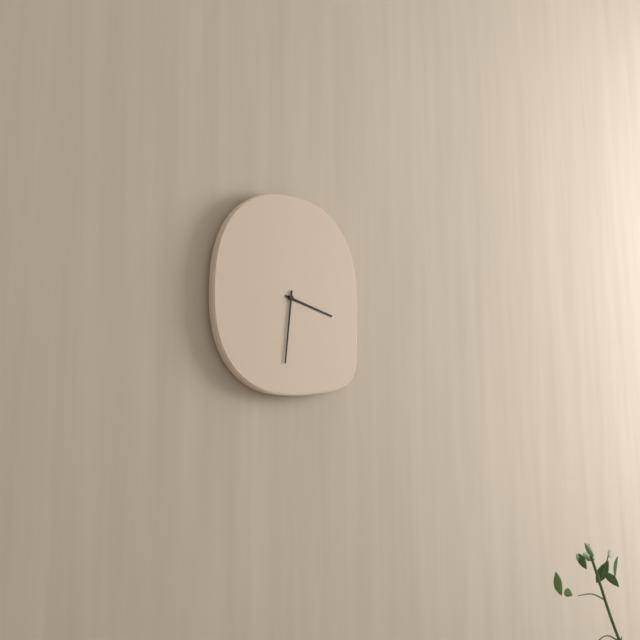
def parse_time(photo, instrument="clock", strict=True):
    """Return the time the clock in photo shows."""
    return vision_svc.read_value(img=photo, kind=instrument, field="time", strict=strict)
3:31
